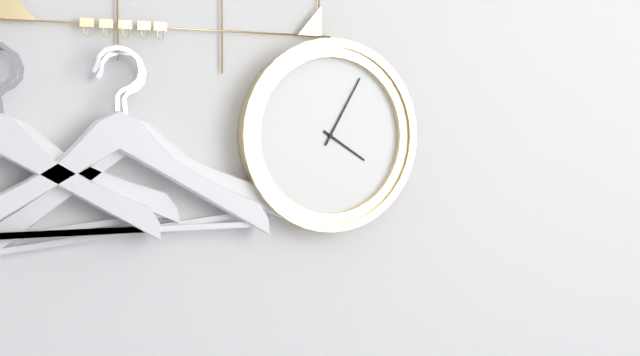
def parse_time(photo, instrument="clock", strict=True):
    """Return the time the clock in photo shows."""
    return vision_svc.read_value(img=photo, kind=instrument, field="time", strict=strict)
4:05
